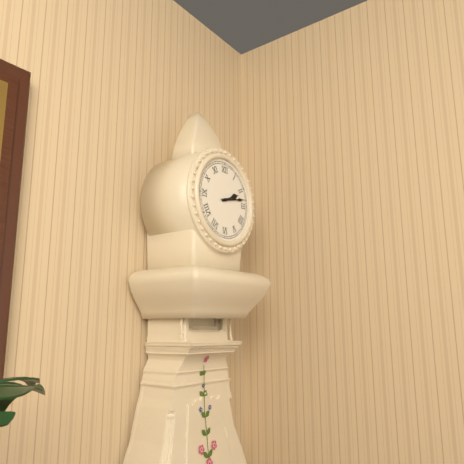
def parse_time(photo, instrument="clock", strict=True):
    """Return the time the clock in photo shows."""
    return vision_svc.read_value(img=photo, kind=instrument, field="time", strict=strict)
2:13
